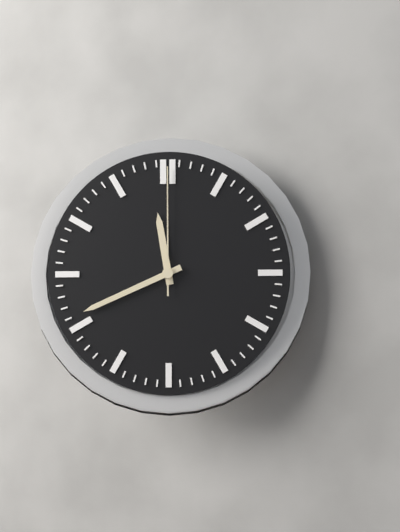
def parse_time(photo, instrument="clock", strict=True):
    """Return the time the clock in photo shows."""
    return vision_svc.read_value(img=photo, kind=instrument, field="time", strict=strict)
11:41:00
